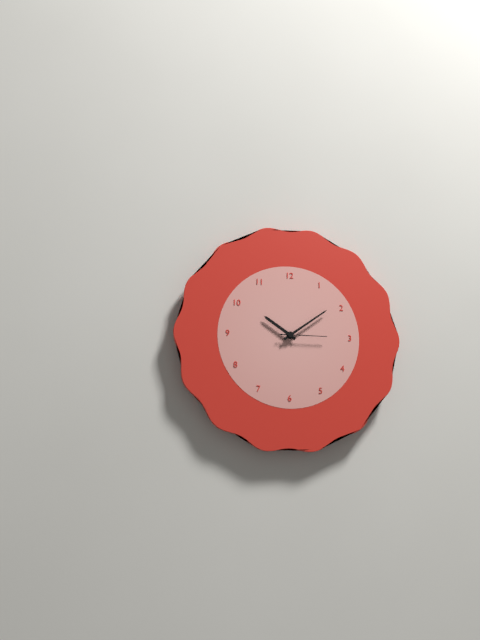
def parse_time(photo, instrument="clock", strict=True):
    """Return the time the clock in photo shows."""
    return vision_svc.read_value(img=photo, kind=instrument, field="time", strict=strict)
10:09
